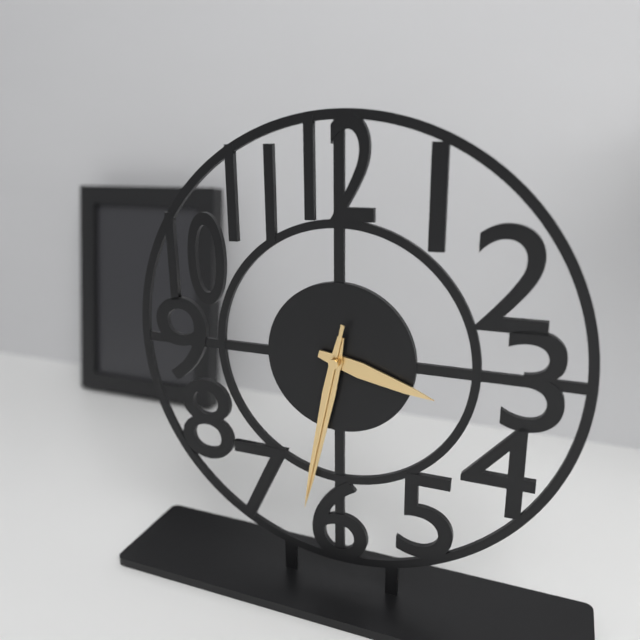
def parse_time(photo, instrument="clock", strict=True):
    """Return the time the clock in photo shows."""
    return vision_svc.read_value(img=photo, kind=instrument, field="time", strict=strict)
3:32:32
